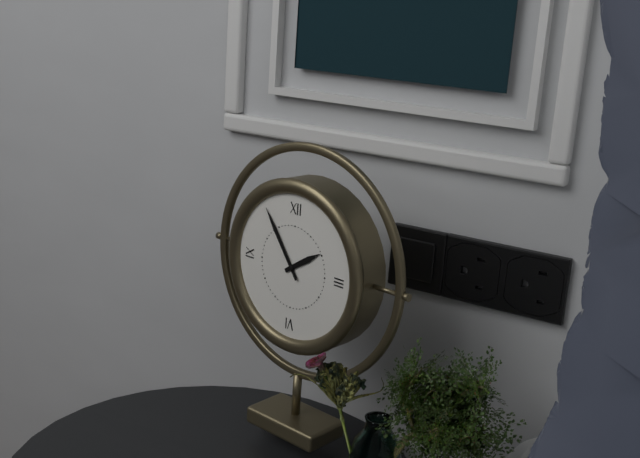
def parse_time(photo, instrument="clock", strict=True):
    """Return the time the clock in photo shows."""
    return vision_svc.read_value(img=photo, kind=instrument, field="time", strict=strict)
1:54
